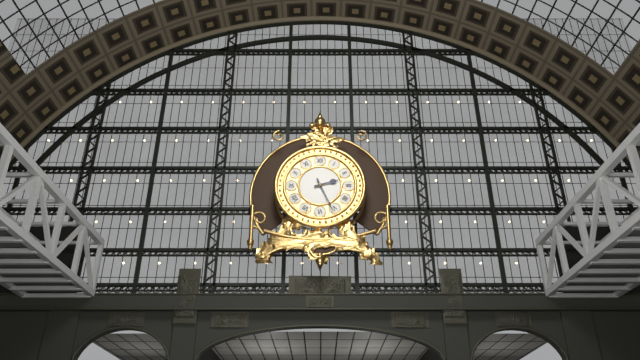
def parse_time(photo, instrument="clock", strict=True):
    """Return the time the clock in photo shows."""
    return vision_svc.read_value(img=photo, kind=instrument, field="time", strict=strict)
2:26
